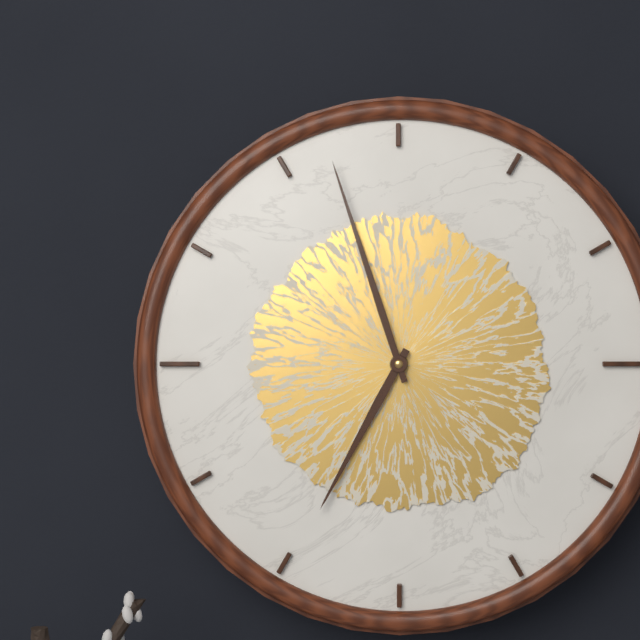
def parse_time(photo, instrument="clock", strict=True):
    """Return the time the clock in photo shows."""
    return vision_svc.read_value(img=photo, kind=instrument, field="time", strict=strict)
6:57
